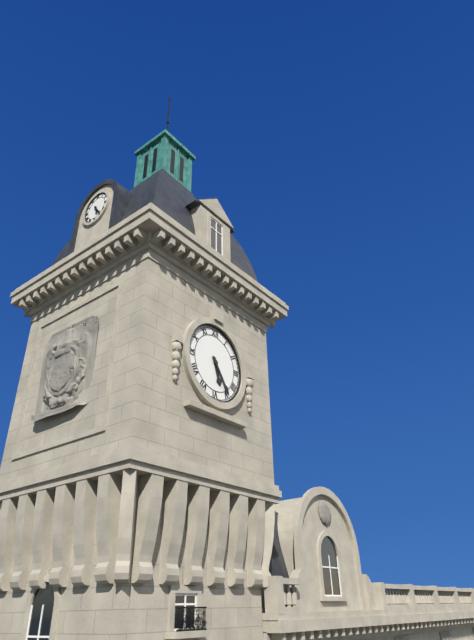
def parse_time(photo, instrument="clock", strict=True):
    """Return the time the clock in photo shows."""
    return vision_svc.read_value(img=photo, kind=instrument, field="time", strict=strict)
5:24
